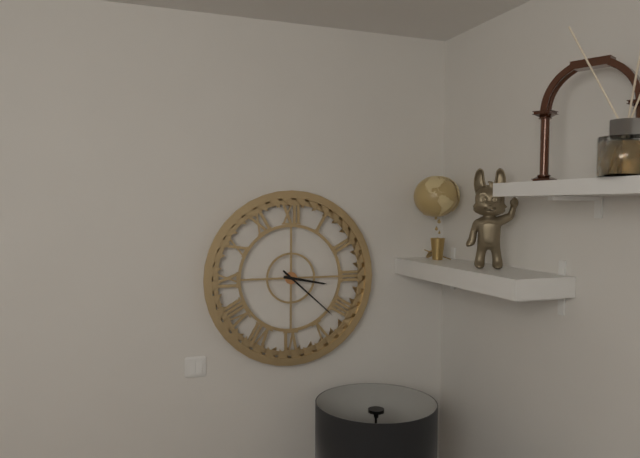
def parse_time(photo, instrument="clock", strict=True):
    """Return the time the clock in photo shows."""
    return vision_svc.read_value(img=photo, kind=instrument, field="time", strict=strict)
3:22
